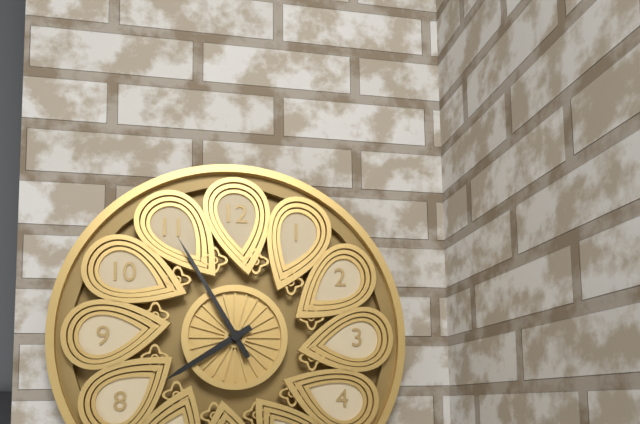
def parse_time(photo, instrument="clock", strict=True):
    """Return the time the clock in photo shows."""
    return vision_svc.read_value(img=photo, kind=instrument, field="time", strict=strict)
7:55
